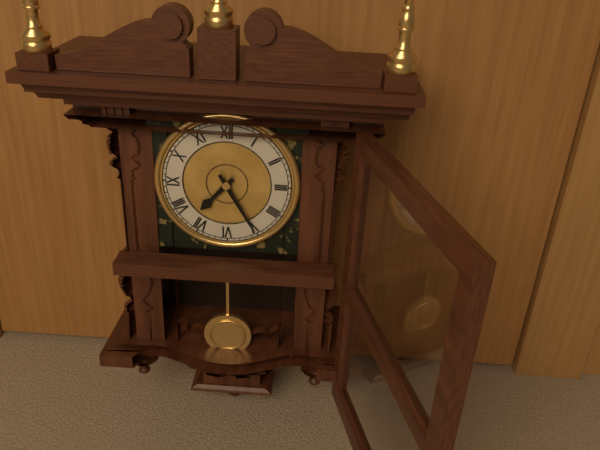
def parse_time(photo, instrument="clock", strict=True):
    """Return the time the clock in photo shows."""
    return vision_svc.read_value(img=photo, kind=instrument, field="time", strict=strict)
7:25
